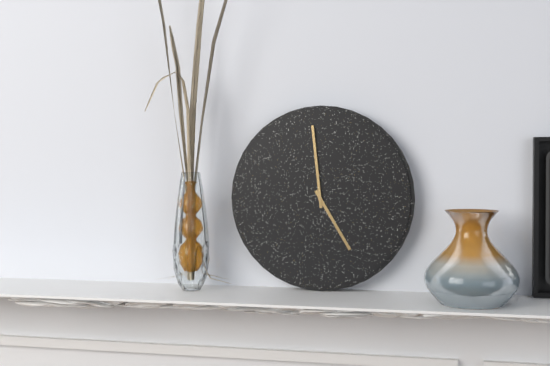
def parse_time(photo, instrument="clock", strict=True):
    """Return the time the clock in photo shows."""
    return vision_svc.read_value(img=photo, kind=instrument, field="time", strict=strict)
4:59
